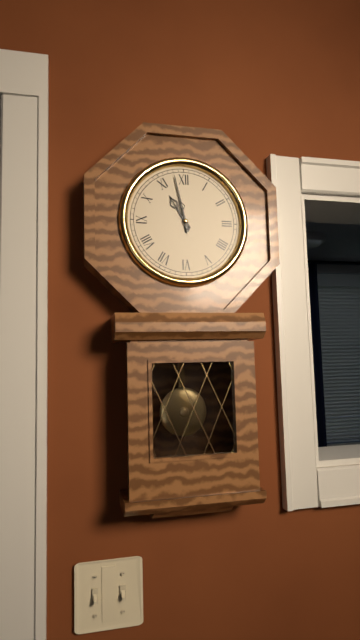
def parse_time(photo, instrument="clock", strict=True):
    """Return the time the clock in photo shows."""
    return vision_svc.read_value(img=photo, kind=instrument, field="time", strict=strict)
10:58
